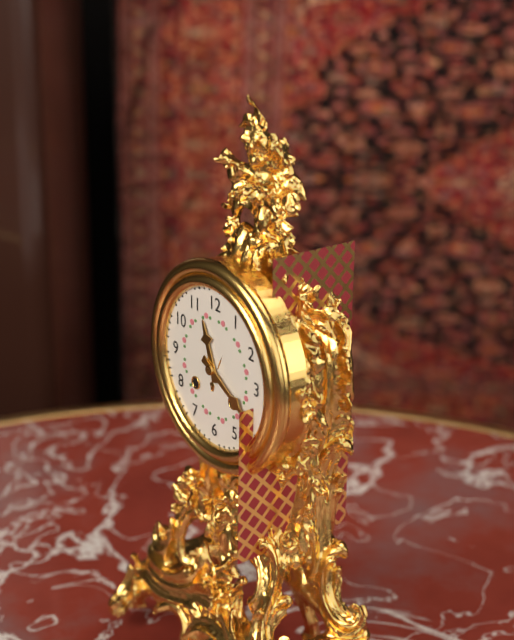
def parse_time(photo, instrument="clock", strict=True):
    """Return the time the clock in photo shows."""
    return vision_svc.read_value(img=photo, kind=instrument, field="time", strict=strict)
11:20
